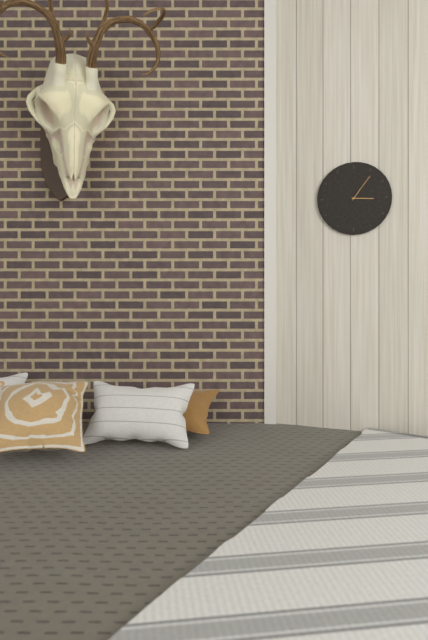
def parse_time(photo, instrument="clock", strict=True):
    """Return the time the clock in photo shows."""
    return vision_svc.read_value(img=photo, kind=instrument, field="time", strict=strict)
3:06
